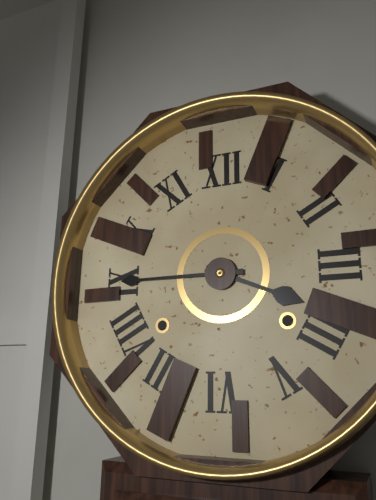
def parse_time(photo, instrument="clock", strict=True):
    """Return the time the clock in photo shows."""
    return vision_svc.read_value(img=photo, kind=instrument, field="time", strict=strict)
3:45
